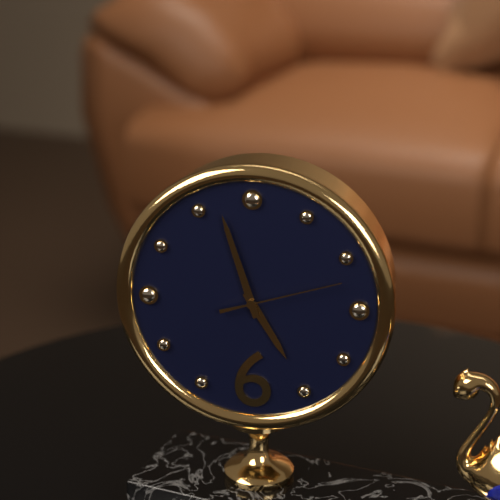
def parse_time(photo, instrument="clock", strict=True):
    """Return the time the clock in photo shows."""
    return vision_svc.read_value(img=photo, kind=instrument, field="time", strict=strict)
4:57:12
